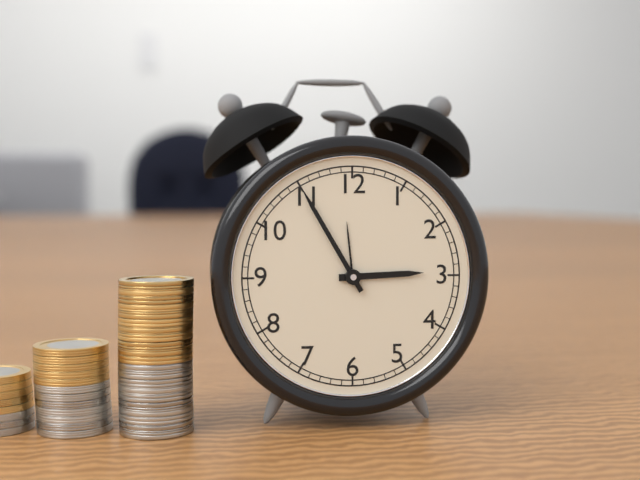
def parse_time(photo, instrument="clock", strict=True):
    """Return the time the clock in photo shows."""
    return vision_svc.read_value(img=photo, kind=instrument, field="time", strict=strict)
2:55
